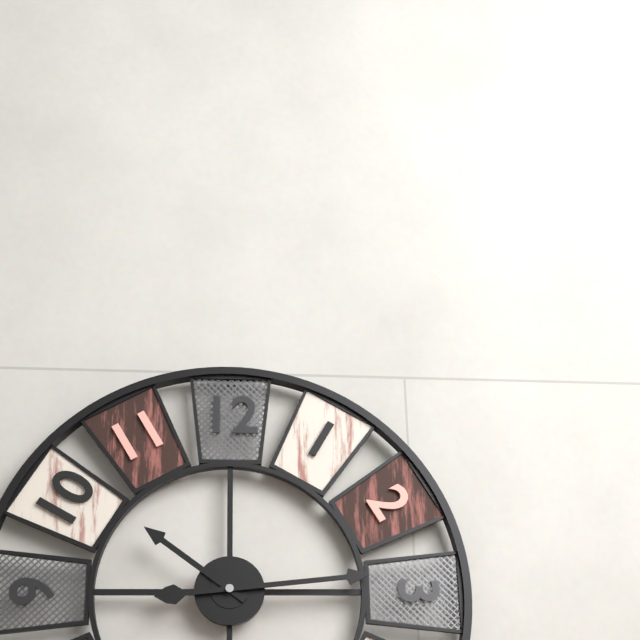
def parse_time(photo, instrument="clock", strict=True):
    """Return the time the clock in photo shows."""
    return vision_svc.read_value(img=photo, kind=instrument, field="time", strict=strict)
10:14
